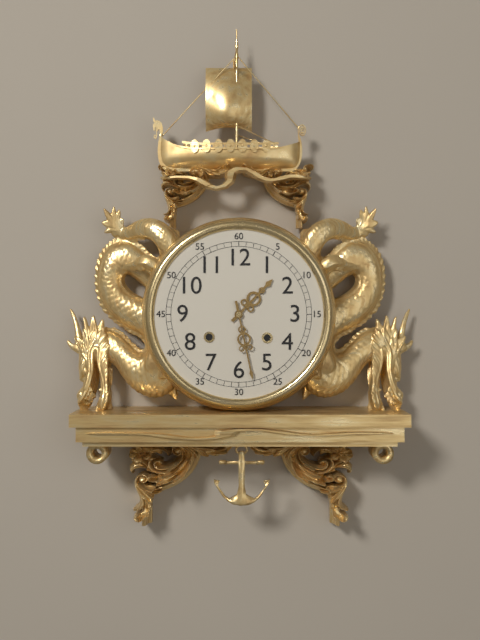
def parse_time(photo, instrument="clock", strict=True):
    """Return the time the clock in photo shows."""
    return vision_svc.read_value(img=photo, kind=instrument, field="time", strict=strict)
1:28
